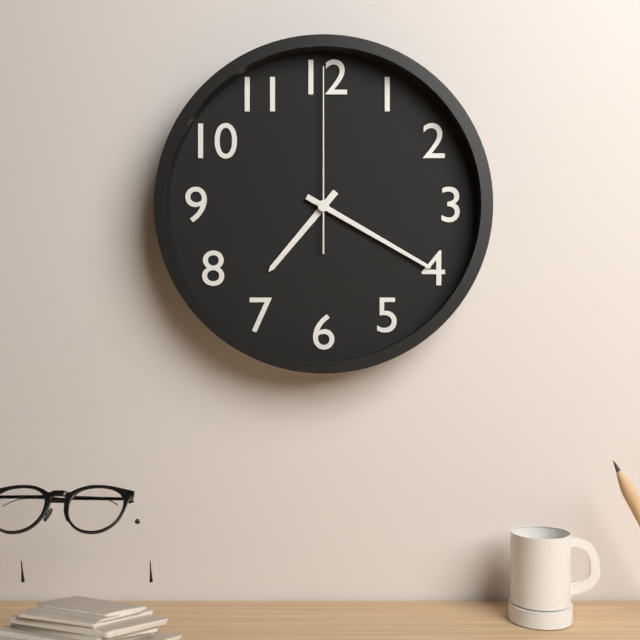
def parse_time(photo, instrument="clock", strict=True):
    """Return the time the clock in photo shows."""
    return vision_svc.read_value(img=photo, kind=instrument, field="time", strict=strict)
7:20:00
